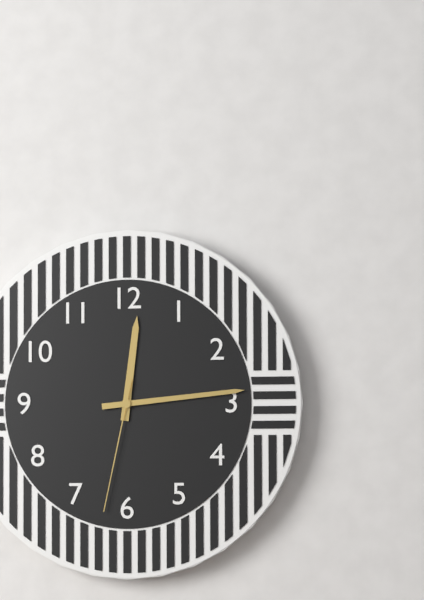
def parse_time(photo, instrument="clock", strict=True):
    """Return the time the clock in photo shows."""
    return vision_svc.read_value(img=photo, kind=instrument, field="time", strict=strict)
12:14:32
